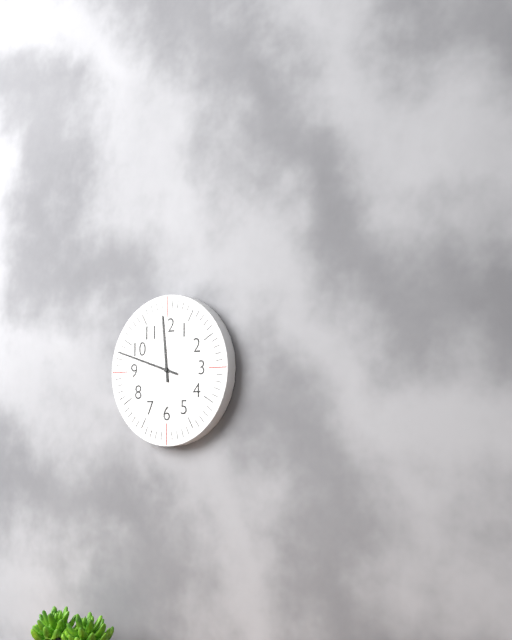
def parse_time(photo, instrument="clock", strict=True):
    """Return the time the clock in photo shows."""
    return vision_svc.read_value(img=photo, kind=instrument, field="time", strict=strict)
11:48
